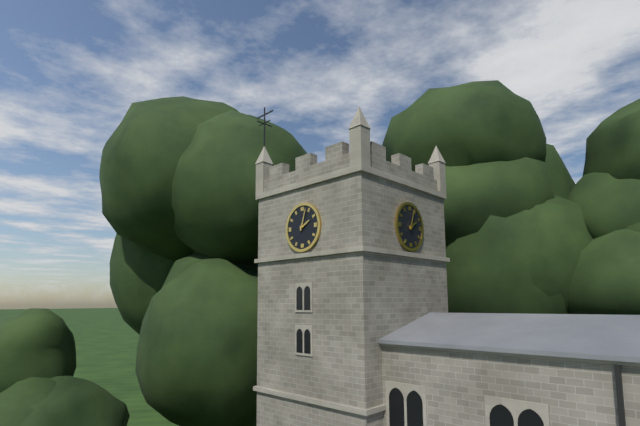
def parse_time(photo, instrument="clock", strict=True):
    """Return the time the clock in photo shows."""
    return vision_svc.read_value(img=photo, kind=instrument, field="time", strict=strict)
2:03
